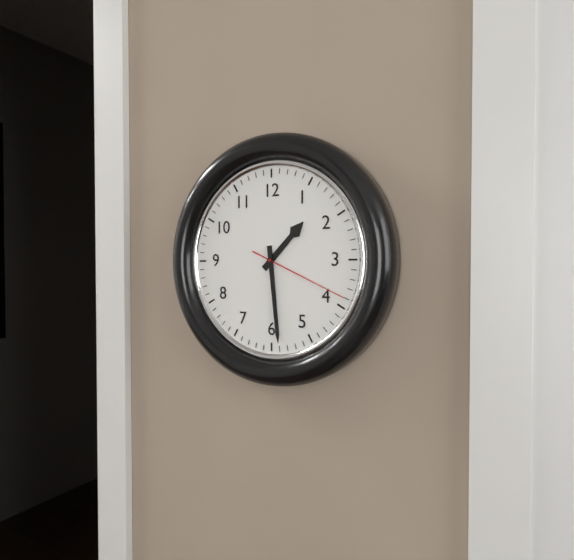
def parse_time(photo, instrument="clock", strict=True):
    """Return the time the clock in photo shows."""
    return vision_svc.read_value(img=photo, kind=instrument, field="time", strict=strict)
1:29:19
